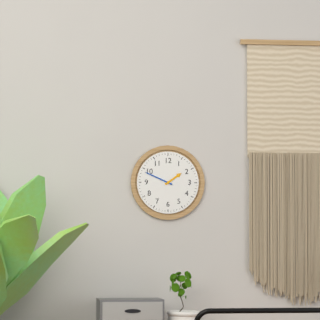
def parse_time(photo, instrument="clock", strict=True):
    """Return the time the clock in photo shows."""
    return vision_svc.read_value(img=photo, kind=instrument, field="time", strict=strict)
1:49
